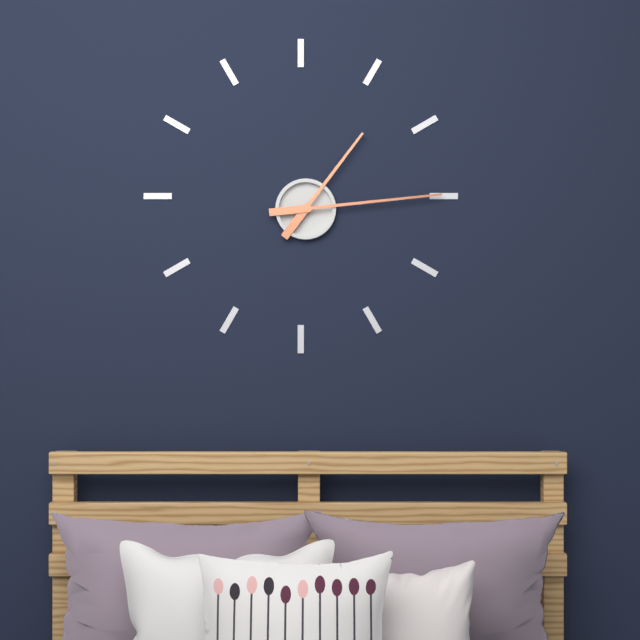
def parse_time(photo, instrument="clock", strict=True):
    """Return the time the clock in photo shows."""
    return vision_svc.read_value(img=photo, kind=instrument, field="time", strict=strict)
1:14
